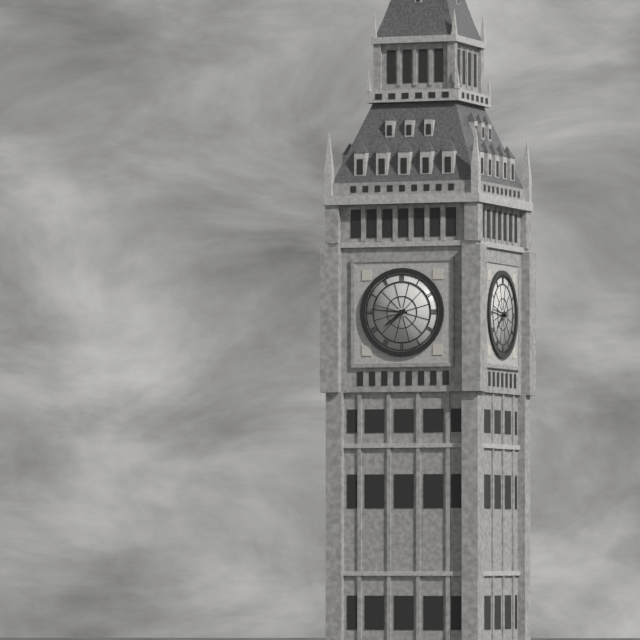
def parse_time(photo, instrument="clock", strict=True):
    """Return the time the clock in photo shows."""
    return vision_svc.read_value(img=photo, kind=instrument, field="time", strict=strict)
7:46
